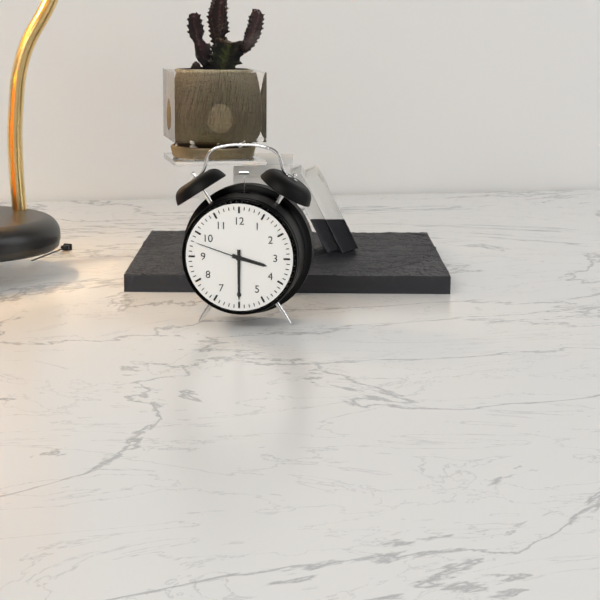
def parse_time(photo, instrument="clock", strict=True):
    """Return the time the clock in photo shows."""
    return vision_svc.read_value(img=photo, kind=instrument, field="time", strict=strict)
3:30:48
